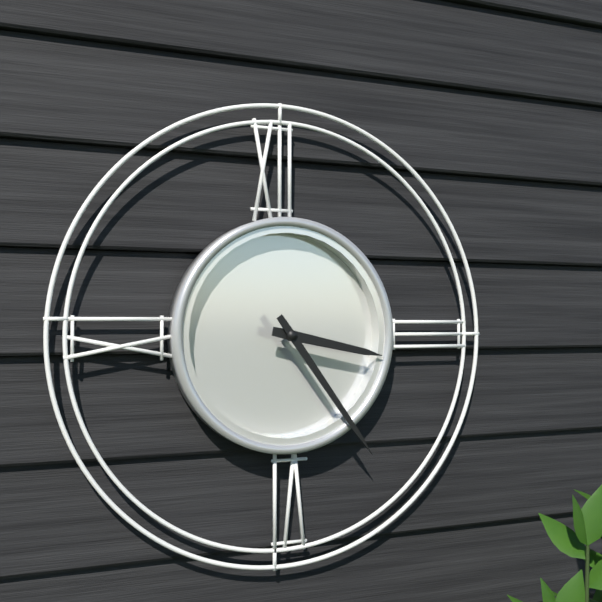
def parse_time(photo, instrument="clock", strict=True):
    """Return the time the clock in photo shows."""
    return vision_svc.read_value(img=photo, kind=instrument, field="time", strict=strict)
3:24
